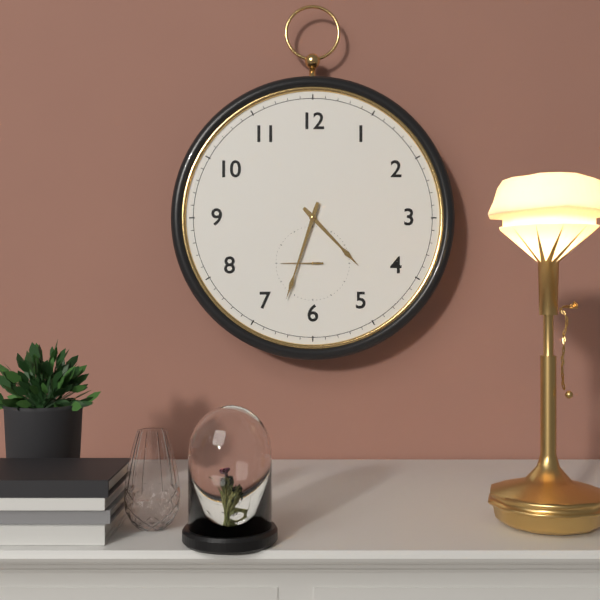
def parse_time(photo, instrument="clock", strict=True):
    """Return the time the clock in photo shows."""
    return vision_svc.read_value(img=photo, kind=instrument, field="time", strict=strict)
4:33
